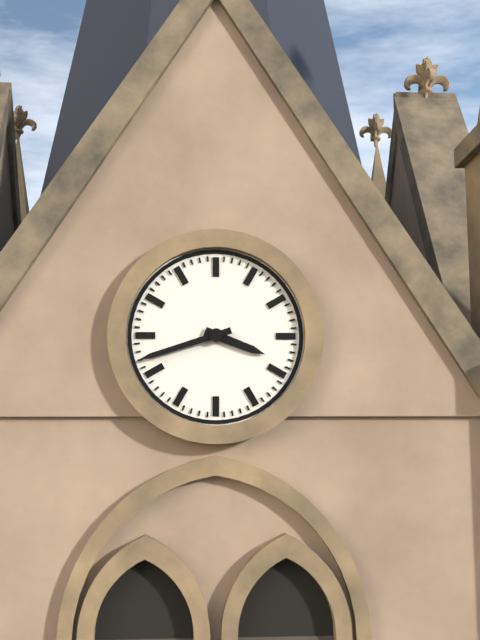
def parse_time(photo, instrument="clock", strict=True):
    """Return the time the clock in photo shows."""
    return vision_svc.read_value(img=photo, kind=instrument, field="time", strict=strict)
3:42
